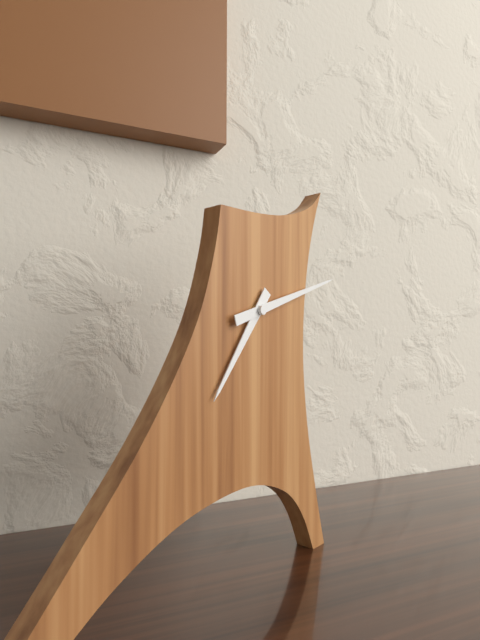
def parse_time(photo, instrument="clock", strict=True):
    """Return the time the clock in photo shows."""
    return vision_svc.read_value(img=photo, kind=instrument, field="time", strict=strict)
7:12
